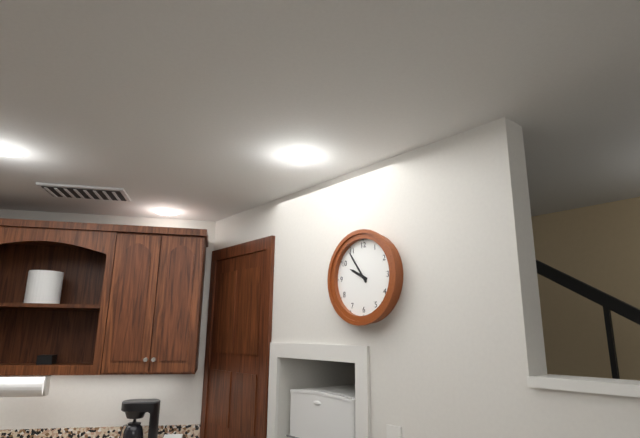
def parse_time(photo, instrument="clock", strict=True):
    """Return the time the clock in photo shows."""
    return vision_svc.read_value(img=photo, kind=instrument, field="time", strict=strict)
9:54
